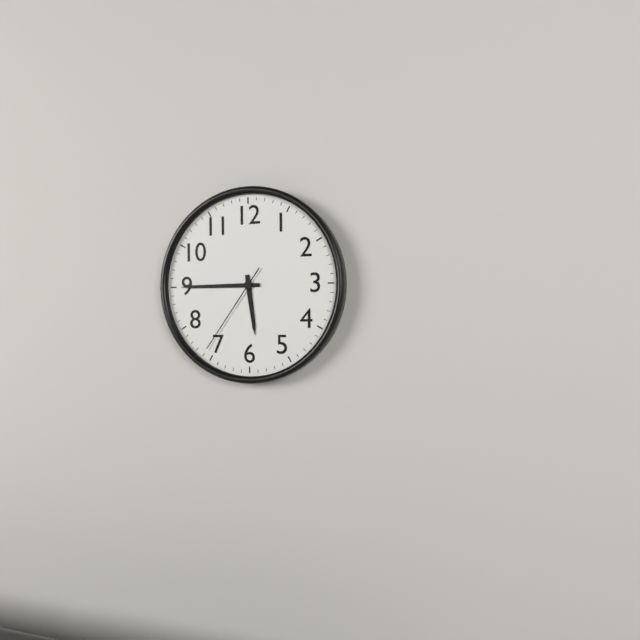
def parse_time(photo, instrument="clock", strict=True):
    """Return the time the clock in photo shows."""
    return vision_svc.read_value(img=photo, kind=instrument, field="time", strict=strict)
5:45:36
